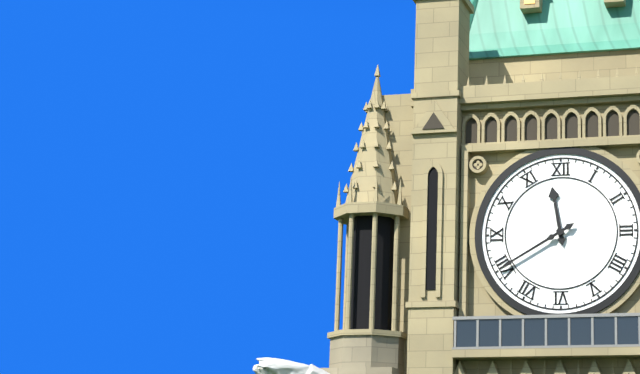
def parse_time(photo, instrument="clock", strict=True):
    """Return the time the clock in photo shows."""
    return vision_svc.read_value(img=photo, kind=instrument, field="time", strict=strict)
11:40
